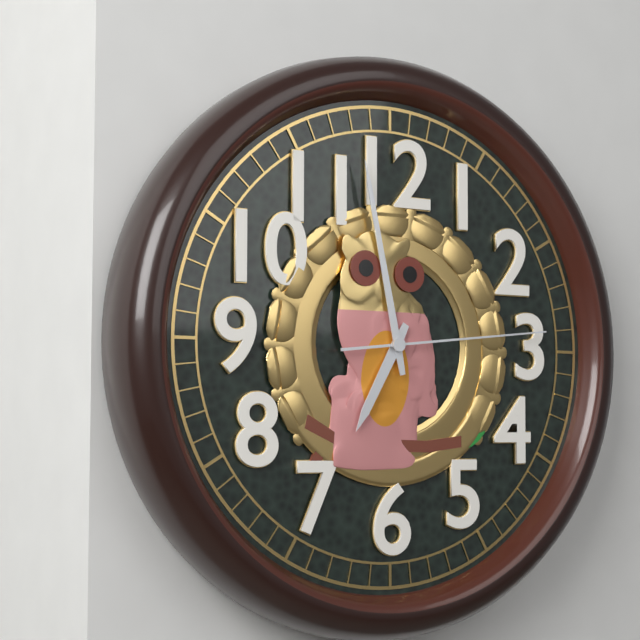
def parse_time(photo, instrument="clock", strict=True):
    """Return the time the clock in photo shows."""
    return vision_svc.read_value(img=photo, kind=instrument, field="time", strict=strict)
6:58:14
